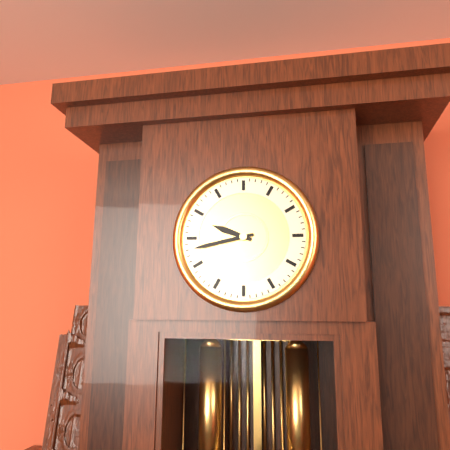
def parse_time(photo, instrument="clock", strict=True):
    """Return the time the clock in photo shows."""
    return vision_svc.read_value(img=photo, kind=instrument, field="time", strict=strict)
9:43
